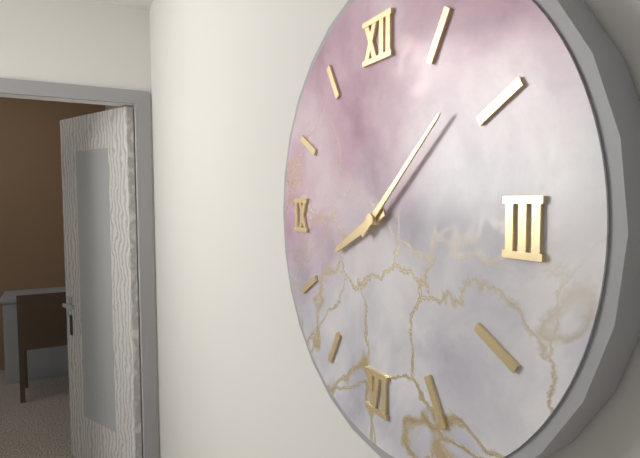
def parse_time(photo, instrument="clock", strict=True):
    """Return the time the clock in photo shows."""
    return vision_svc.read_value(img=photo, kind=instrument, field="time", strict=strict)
8:08
